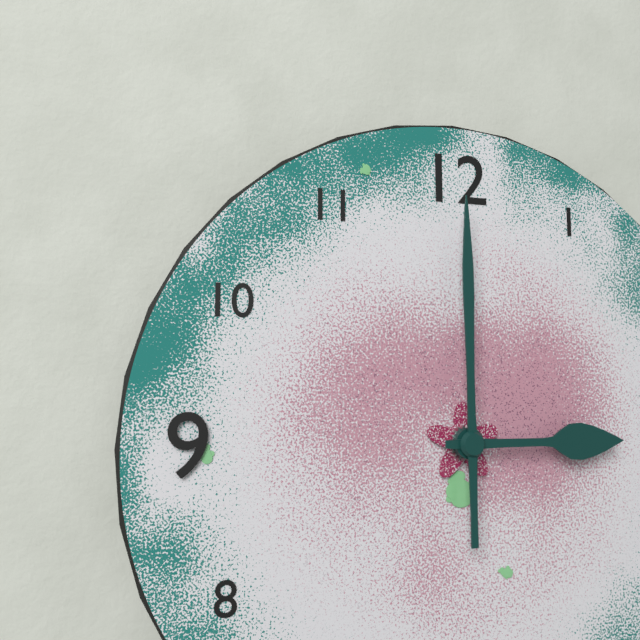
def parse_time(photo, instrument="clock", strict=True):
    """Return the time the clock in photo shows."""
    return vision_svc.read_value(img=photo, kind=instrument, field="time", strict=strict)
3:00
